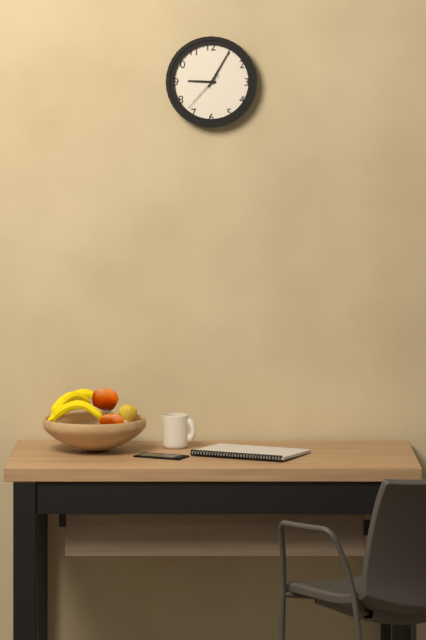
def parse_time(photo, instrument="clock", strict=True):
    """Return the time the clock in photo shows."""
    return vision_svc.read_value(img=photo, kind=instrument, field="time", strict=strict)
9:05
